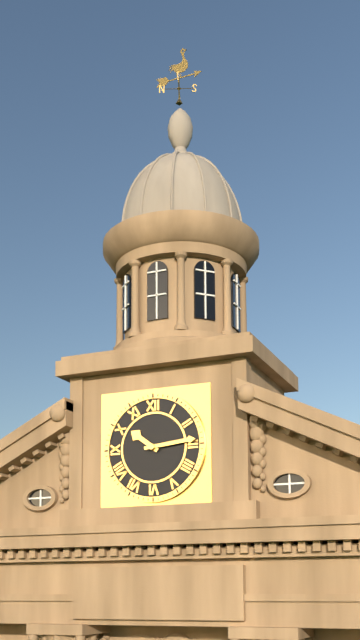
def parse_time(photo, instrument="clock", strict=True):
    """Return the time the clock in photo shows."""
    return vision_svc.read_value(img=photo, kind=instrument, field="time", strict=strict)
10:14
